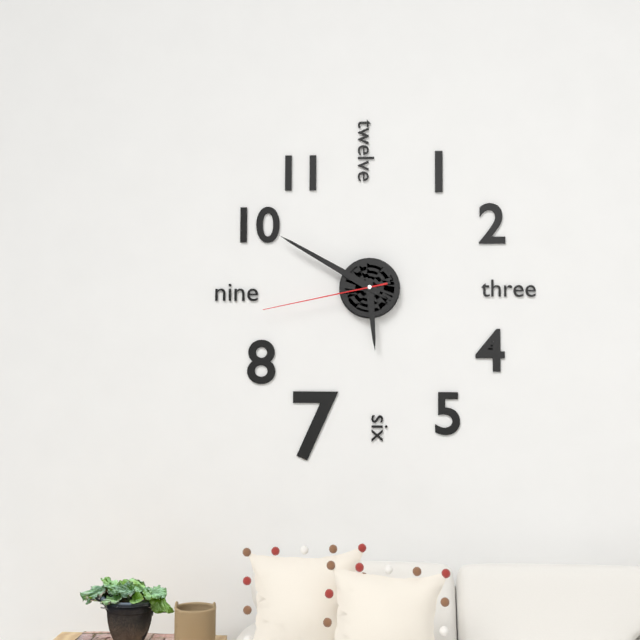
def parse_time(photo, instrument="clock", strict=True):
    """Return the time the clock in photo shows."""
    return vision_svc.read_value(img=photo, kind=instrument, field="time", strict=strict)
5:50:43
